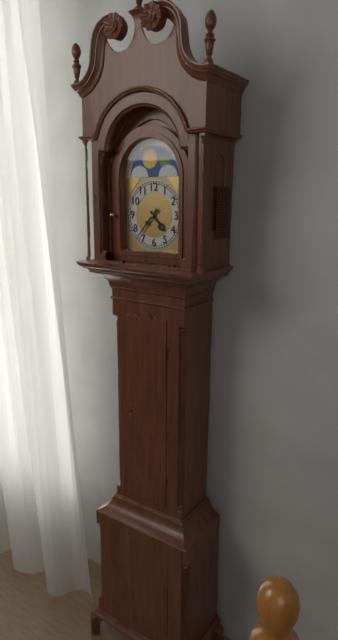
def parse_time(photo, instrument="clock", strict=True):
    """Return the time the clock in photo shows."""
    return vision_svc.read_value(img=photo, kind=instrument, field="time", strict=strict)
4:37
